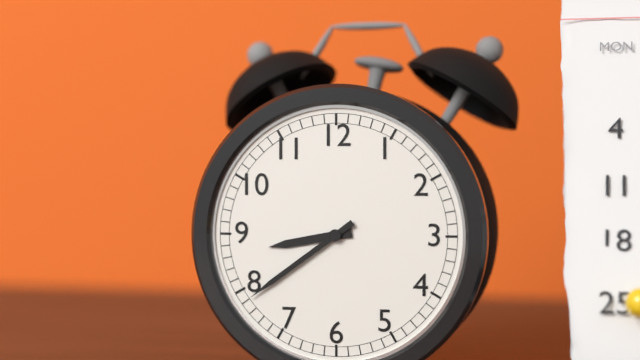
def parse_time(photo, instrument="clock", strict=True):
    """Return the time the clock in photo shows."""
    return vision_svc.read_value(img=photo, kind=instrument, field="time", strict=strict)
8:39
